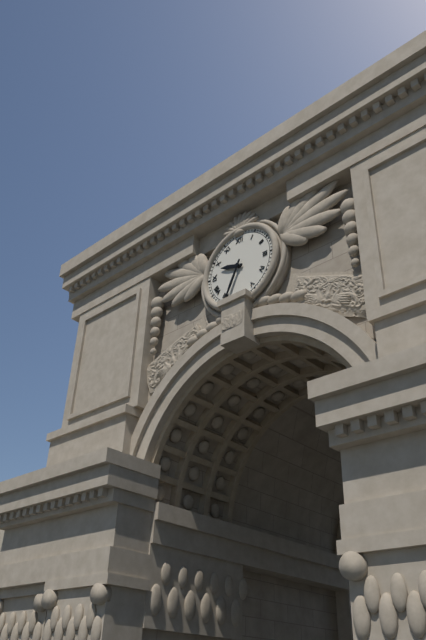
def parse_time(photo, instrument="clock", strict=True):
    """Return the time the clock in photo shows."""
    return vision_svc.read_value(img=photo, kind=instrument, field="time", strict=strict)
9:34
